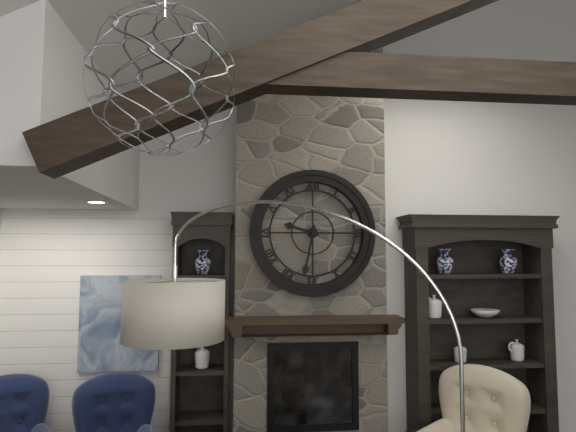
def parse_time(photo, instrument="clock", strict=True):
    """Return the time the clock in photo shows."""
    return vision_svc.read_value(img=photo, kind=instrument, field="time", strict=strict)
9:32
